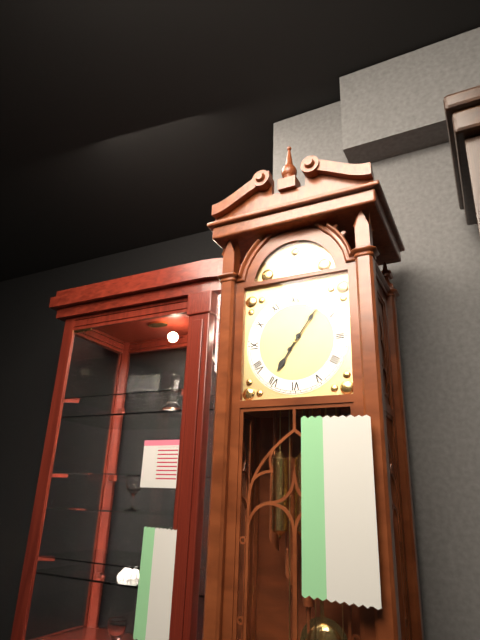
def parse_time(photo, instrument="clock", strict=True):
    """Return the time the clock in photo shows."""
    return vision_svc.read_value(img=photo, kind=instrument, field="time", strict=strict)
7:06
